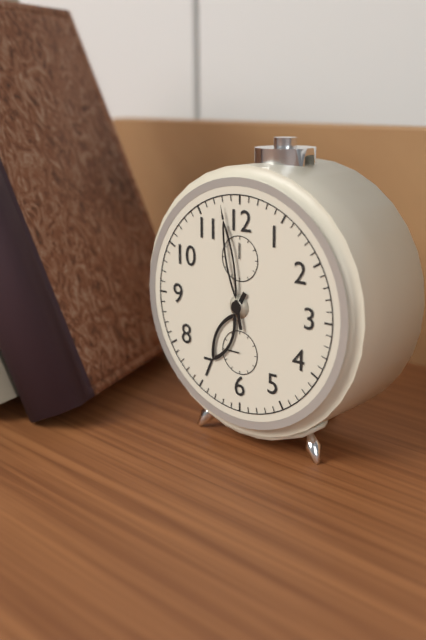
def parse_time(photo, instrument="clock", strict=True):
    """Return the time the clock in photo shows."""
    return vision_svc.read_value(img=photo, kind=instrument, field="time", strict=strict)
6:58
